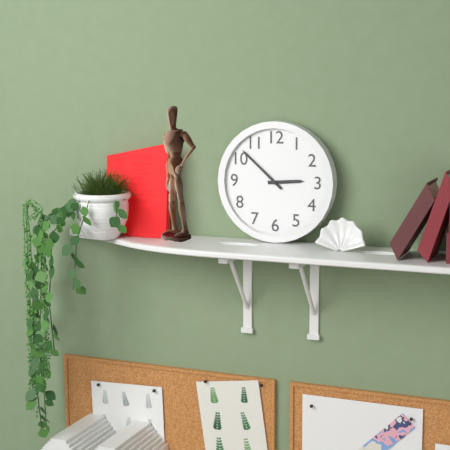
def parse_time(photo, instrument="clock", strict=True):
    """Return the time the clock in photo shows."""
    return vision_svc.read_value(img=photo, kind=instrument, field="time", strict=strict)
2:52
